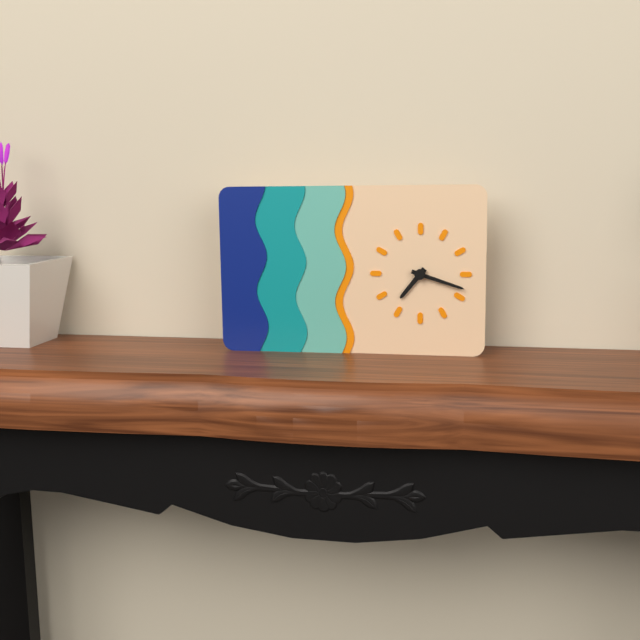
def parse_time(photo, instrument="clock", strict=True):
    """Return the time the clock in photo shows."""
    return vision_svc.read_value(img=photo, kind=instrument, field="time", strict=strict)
7:18
